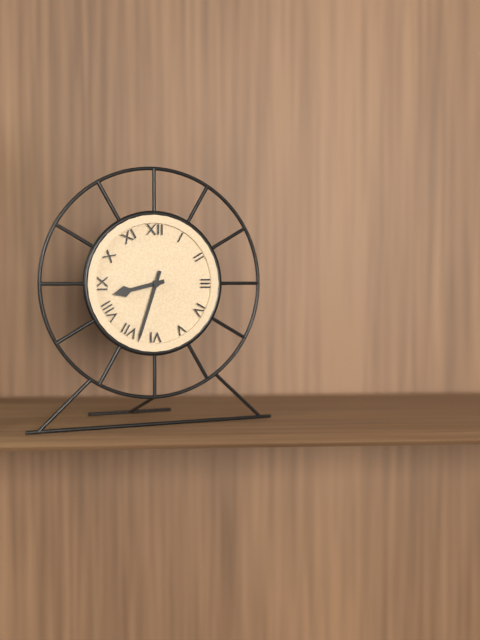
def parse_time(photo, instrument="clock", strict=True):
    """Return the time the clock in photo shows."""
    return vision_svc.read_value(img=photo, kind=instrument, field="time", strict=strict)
8:33
